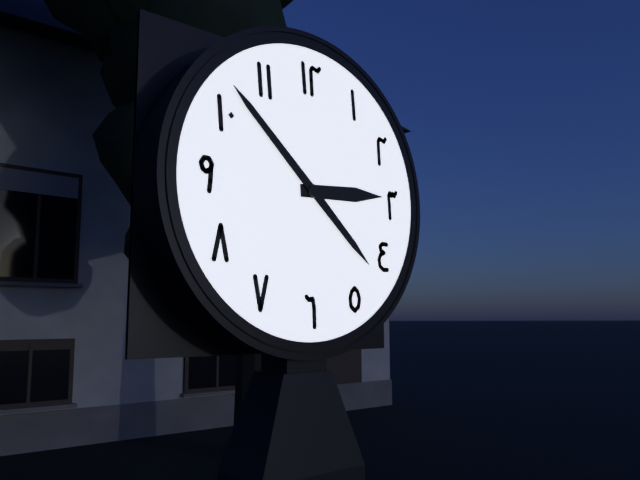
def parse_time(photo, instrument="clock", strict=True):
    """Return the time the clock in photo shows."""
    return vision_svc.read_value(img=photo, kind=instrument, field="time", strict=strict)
2:52
